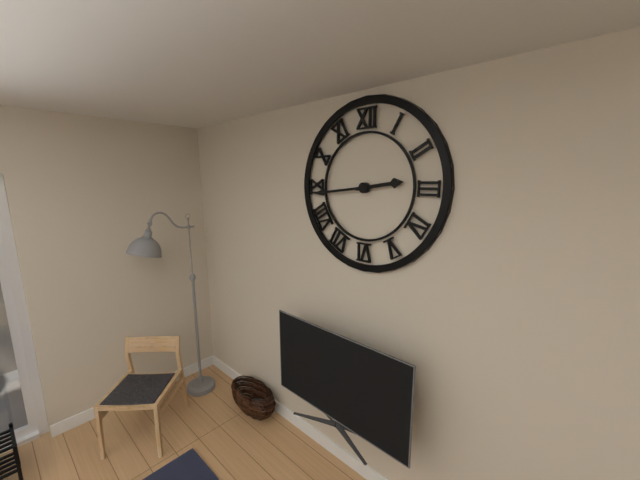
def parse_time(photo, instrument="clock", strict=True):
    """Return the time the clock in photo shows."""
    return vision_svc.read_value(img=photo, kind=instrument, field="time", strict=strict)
2:44
